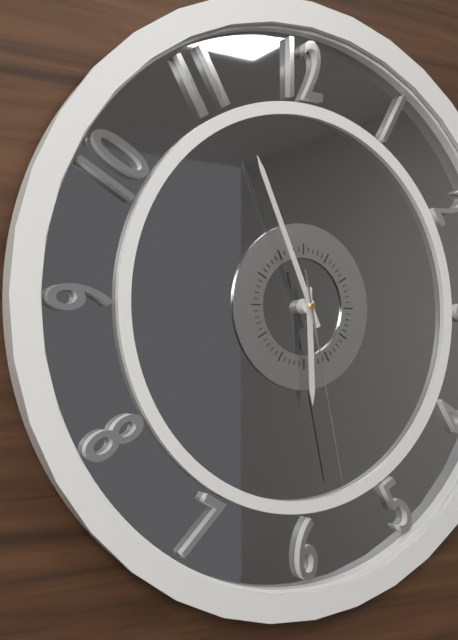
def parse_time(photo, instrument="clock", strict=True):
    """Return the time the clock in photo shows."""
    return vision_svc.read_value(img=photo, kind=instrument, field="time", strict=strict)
5:56:28
